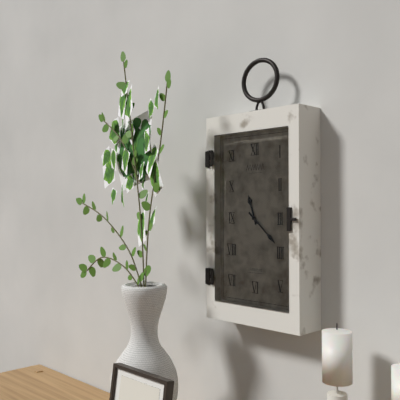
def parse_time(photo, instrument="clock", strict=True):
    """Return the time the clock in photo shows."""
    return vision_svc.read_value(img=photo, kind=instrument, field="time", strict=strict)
11:22
